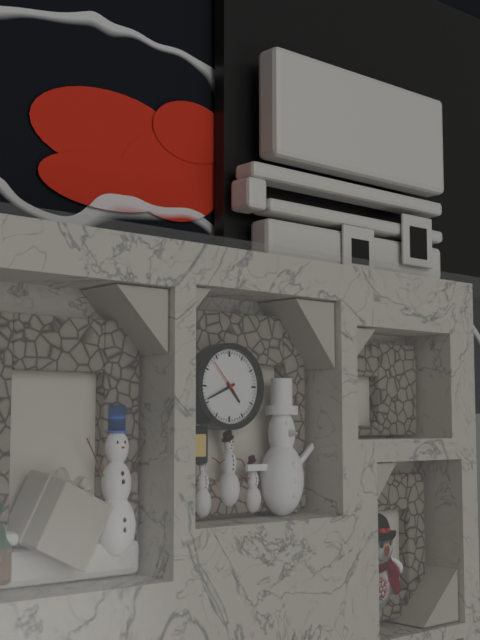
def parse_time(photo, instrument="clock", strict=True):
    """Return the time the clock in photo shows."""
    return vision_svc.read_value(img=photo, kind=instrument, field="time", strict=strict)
4:41
